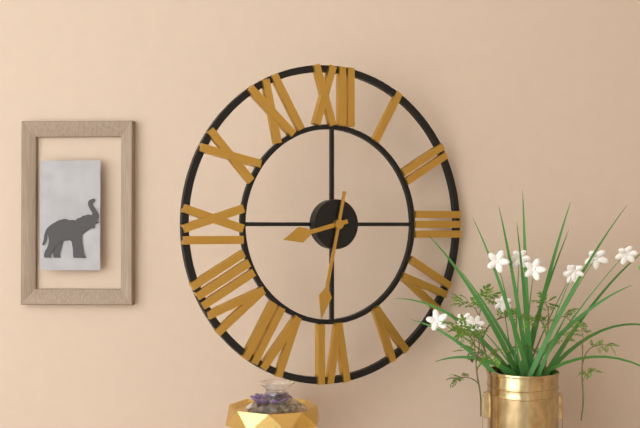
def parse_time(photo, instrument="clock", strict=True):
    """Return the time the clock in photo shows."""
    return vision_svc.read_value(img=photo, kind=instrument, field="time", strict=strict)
8:32
